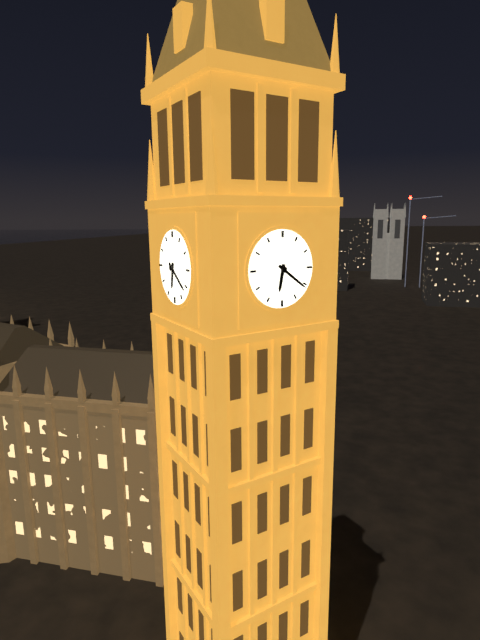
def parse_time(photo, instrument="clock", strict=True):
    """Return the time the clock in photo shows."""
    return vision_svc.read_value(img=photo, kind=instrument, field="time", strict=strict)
6:21
